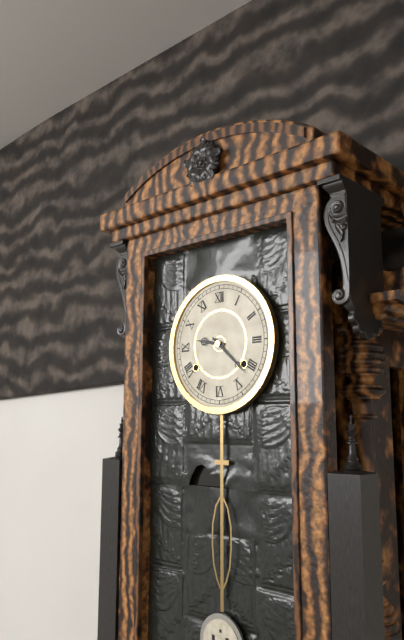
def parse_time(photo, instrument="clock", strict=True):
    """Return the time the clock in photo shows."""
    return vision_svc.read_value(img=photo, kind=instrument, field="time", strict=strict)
9:22
